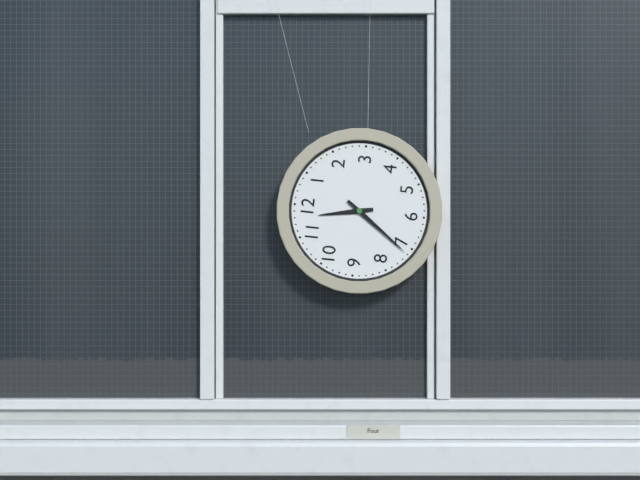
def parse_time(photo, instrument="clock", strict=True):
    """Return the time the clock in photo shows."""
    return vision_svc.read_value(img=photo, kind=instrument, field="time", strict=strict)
11:36
